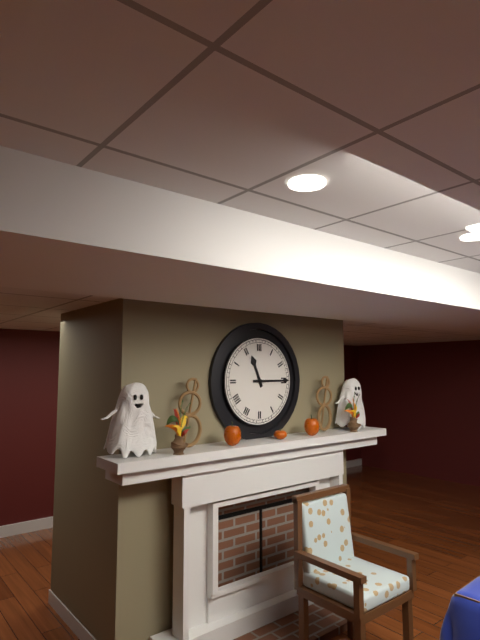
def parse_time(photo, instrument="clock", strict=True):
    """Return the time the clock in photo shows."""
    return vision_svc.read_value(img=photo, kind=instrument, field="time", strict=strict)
11:15
